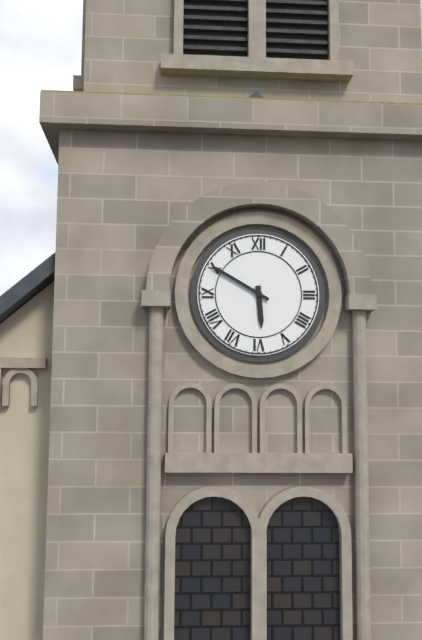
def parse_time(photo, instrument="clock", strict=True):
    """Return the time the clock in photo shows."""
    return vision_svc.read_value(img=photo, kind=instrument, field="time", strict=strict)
5:50
